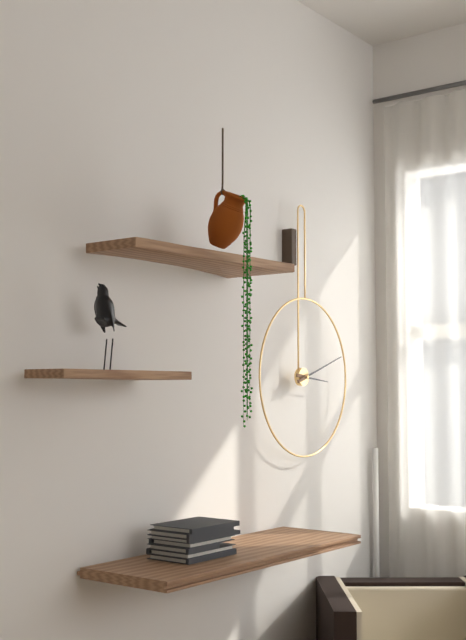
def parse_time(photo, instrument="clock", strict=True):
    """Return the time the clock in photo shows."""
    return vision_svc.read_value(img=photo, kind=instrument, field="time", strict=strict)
3:12
